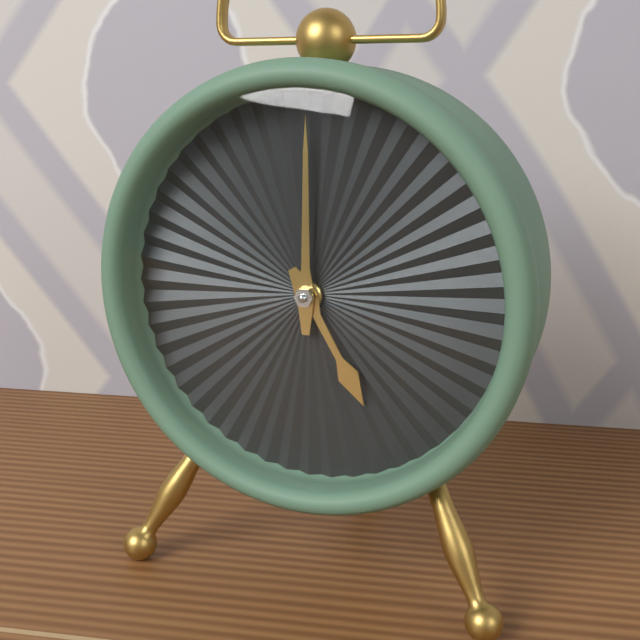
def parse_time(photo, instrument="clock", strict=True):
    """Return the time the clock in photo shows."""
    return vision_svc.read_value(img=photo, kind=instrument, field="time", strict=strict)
5:00
